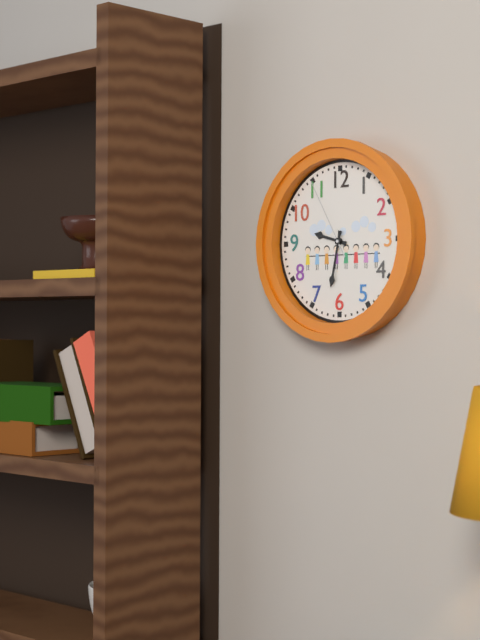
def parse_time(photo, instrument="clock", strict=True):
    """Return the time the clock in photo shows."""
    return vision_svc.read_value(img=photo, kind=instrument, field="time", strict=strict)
9:32:55
